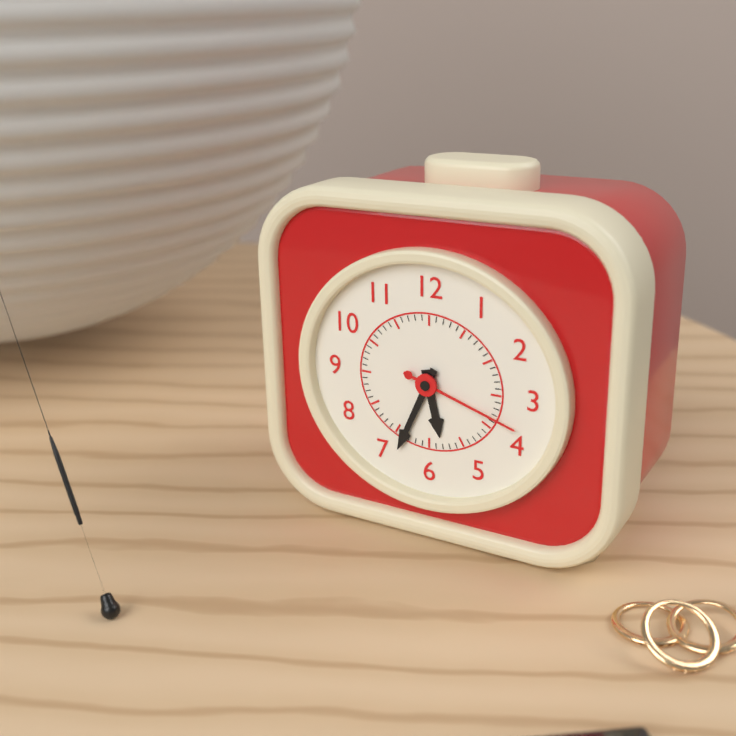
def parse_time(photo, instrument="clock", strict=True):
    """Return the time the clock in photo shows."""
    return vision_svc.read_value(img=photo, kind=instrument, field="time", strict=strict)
5:34:18
